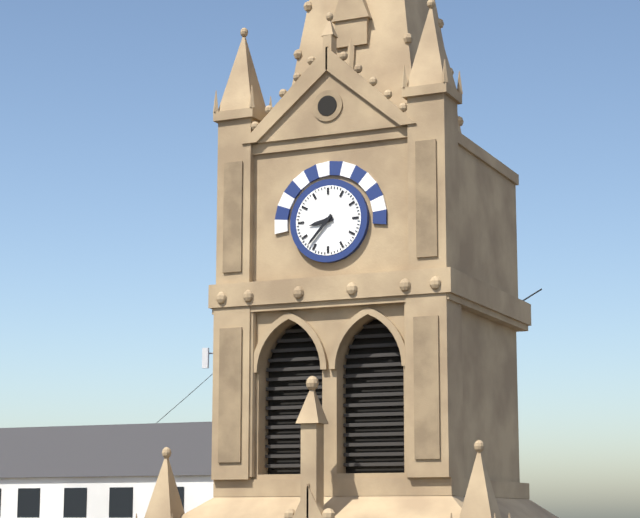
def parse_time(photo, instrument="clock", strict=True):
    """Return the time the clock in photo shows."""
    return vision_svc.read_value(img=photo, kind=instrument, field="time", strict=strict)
8:37
